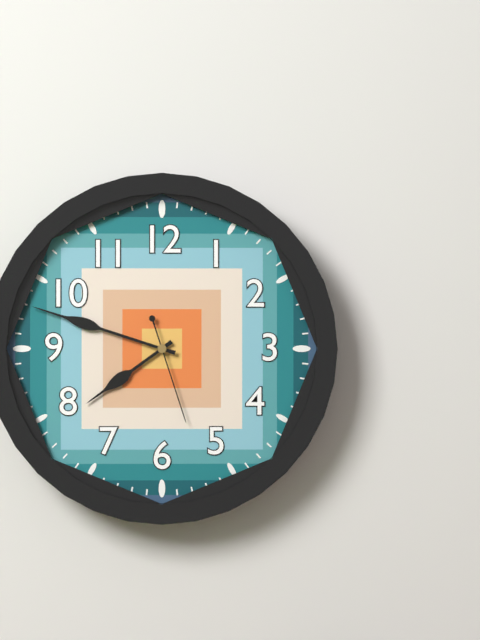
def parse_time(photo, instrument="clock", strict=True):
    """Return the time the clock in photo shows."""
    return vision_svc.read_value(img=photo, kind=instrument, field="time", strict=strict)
7:48:27
